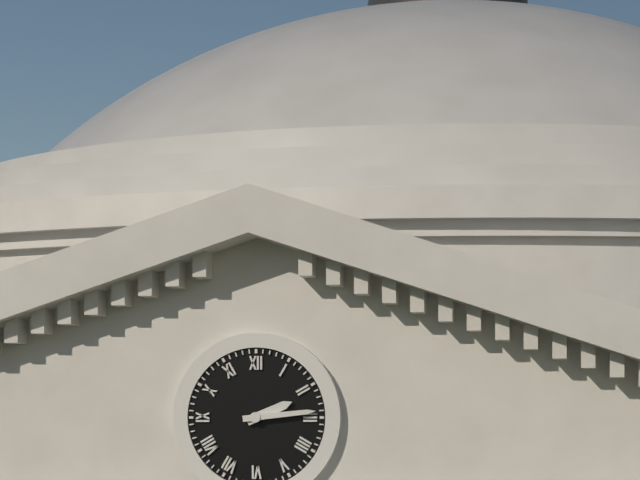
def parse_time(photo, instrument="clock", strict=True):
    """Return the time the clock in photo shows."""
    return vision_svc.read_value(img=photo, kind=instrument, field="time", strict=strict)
2:14
